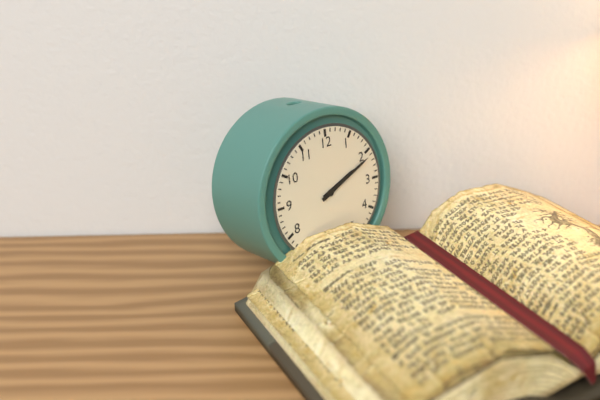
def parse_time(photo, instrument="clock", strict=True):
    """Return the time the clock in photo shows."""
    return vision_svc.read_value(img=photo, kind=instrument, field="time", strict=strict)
2:11
